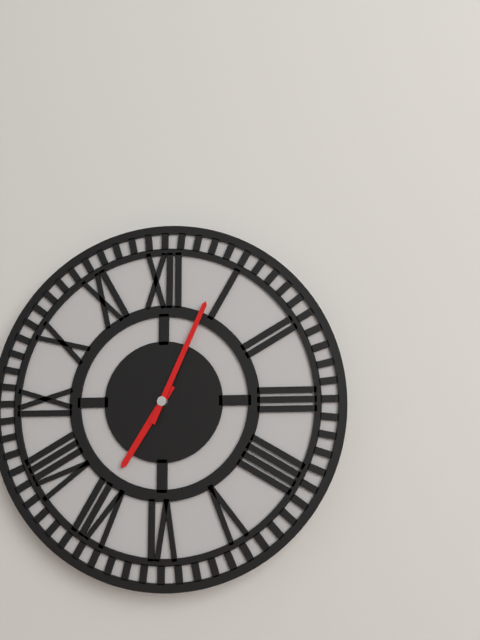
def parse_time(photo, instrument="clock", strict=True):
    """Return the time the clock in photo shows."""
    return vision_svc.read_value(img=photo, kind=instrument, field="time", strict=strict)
7:04
